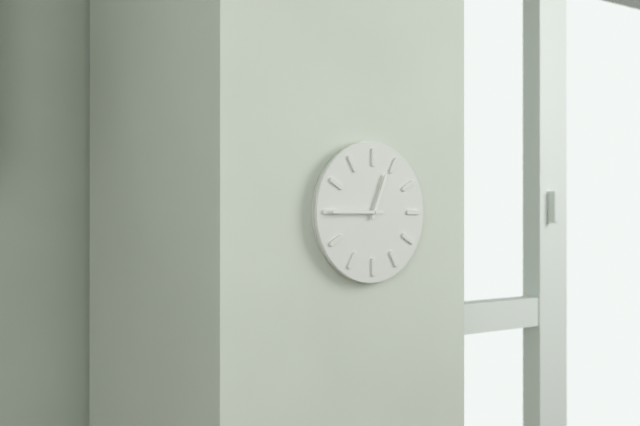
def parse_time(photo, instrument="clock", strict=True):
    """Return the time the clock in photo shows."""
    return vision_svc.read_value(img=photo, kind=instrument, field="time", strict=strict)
12:45
